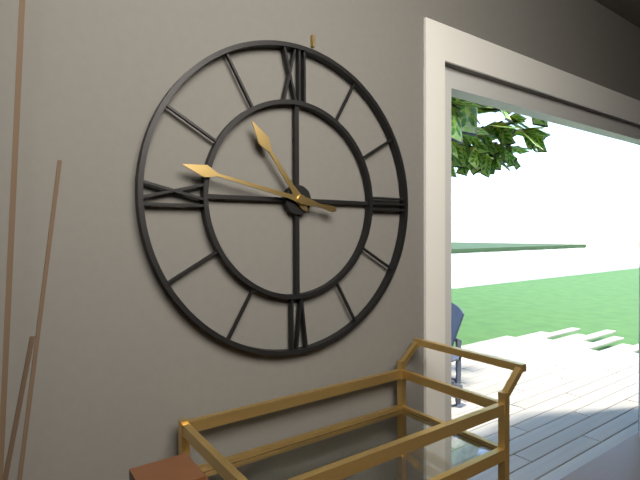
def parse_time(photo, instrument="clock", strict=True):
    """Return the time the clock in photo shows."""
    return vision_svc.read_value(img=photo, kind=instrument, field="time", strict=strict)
10:47
